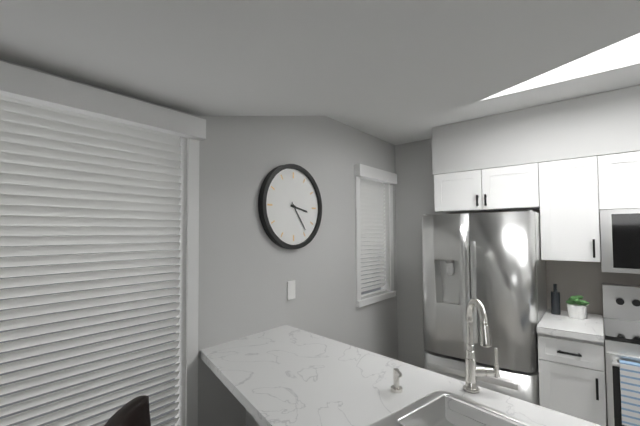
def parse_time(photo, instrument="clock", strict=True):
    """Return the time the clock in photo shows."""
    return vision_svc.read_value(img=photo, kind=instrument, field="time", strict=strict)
3:24
